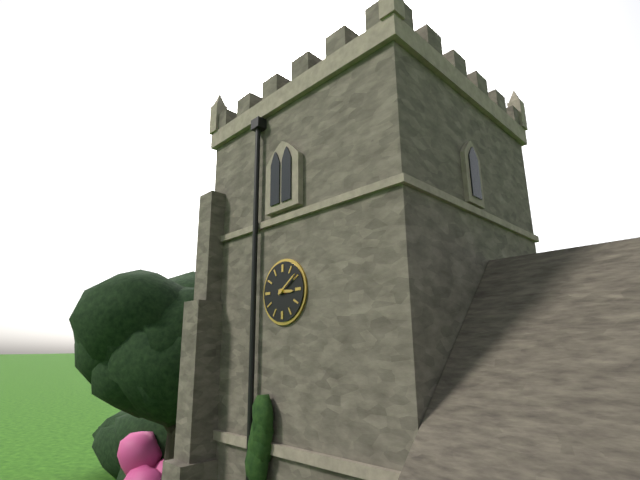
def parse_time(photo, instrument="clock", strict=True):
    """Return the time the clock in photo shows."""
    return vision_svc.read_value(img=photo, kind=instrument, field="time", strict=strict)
3:09
